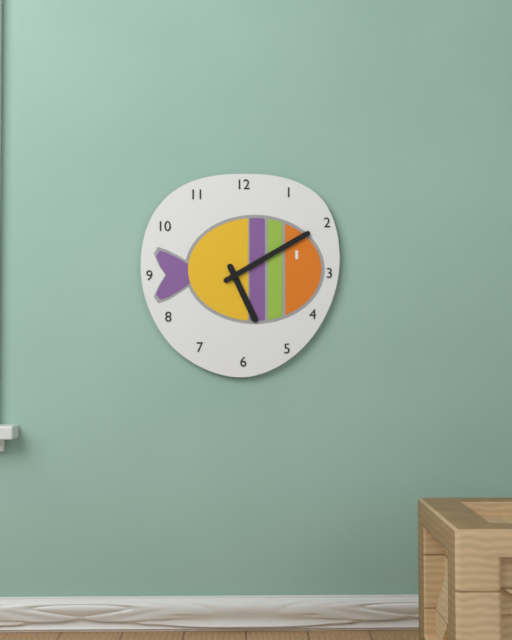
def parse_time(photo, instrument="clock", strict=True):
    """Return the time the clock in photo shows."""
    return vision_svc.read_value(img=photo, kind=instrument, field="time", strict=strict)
5:10
